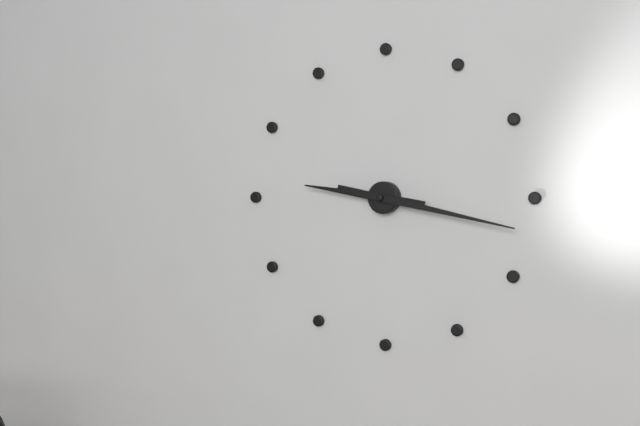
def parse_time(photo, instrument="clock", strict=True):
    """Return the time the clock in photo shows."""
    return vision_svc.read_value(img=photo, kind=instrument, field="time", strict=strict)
9:17
